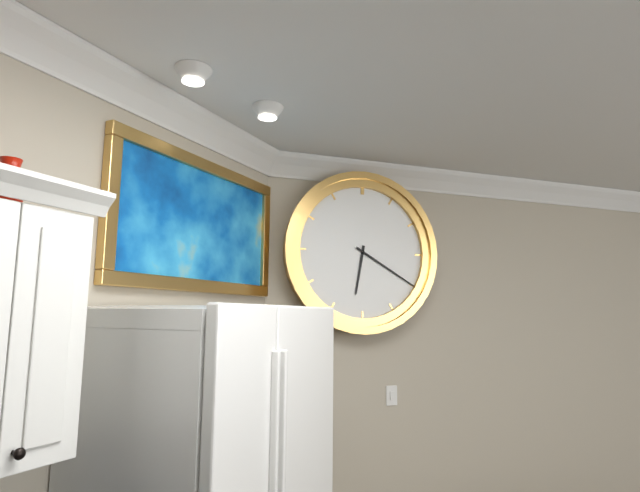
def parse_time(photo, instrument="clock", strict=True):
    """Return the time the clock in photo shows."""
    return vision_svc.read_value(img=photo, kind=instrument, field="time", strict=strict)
6:20
